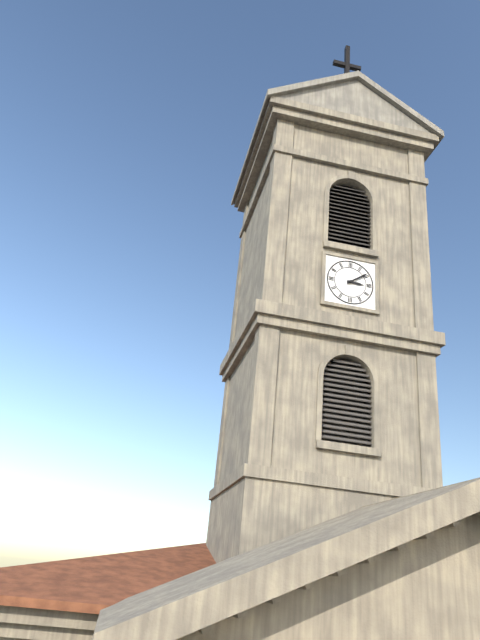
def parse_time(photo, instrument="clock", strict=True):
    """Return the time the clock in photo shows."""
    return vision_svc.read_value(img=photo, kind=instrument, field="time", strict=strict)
3:09
